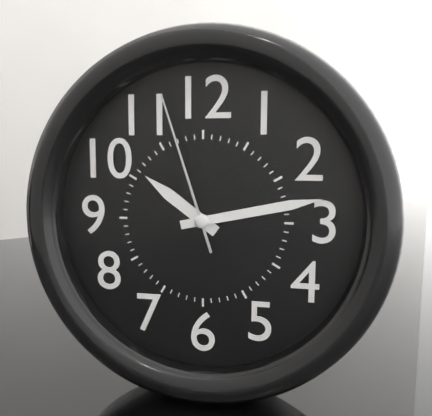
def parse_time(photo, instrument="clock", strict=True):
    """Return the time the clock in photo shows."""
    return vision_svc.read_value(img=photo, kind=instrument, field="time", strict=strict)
10:13:57
